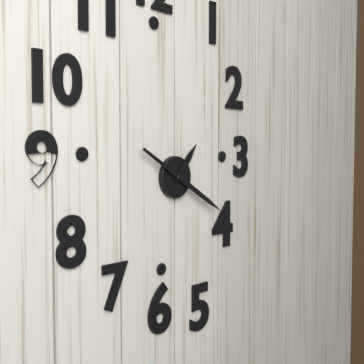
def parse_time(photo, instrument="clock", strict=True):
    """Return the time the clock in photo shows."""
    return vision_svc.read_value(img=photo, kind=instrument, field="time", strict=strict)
1:20
